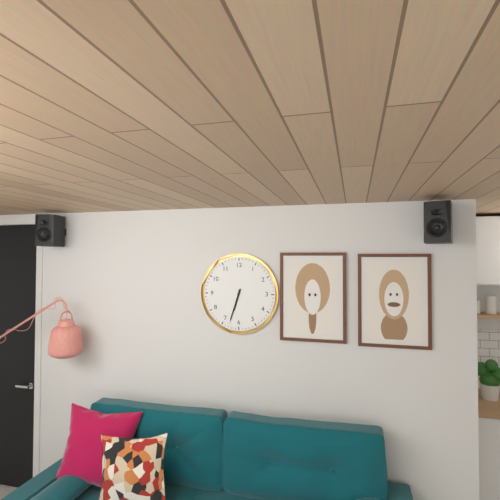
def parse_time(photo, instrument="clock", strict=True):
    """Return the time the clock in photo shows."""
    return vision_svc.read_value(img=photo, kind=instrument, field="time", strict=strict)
6:33
